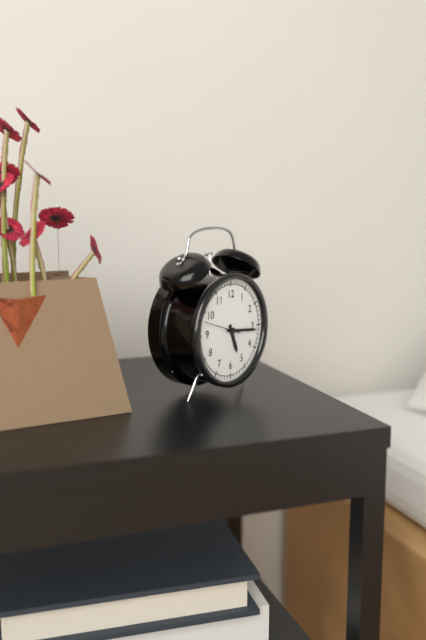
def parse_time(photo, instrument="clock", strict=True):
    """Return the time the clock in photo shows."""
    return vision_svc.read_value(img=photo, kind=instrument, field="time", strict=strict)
5:16
